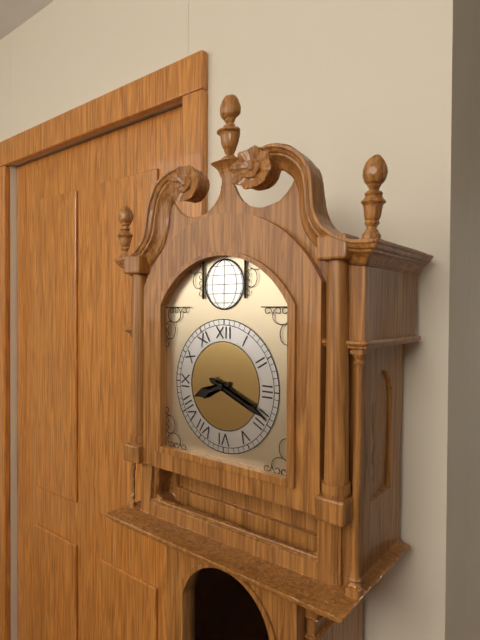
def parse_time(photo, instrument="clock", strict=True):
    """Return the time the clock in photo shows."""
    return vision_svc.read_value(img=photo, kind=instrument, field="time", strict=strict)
8:19
